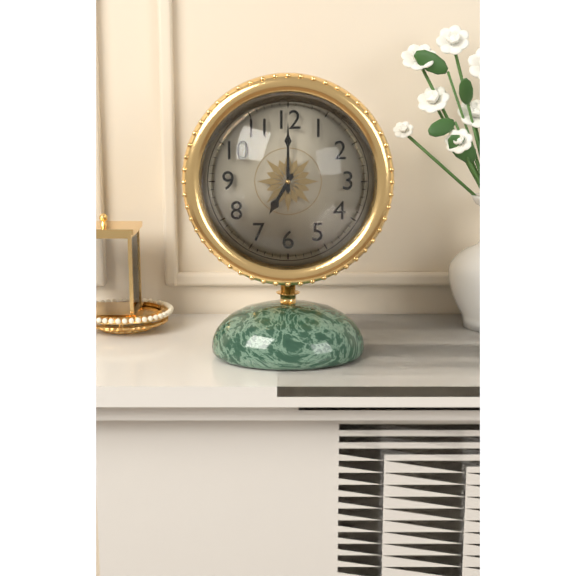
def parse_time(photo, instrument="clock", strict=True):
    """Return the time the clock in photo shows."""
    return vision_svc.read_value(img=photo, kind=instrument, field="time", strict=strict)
7:00
